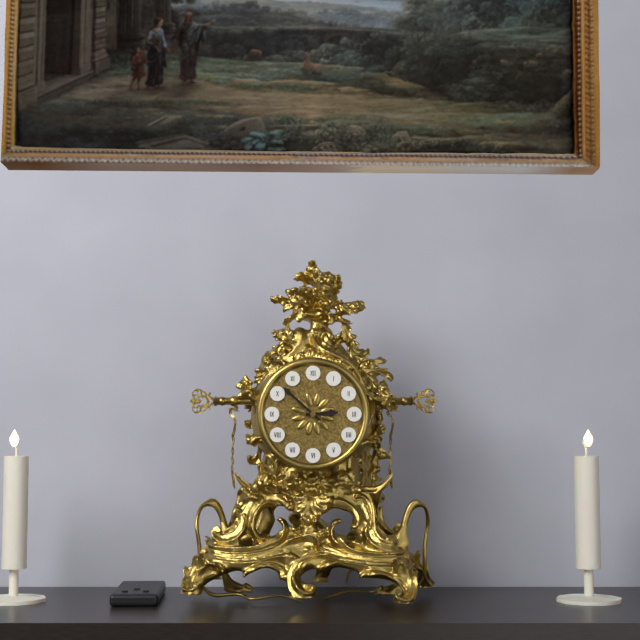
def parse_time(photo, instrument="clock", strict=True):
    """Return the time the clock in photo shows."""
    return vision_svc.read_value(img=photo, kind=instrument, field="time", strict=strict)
2:52
